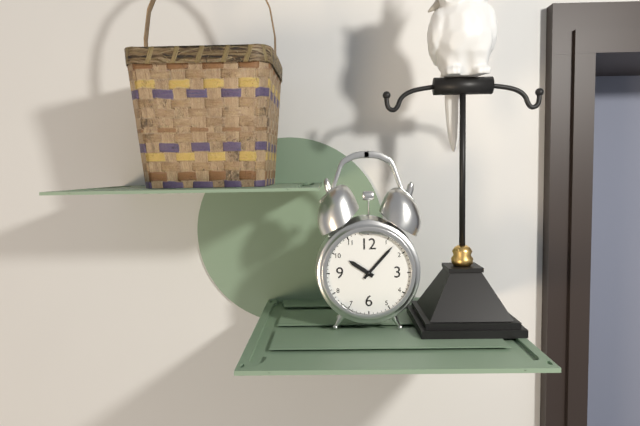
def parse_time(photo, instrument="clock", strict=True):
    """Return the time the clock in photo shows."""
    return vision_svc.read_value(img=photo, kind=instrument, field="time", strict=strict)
10:07
